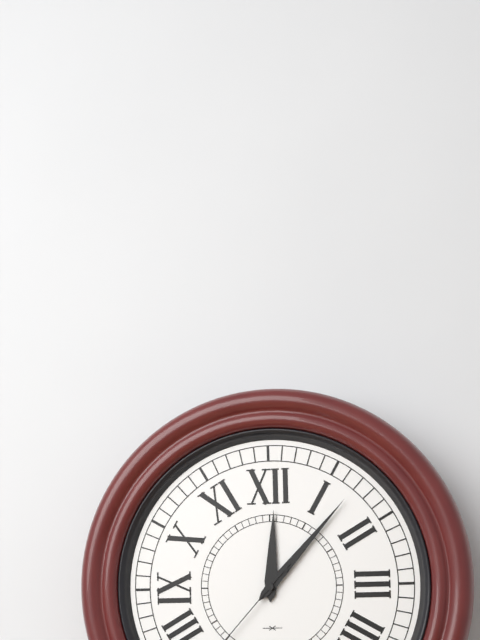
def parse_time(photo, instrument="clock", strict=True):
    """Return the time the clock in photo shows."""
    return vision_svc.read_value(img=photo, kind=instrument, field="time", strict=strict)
12:07
